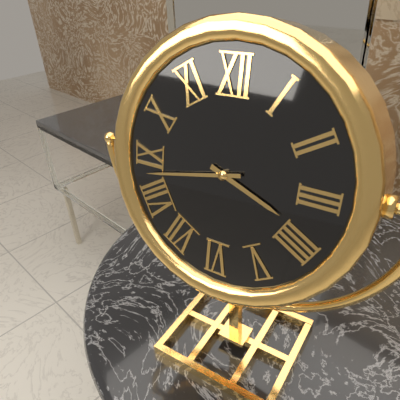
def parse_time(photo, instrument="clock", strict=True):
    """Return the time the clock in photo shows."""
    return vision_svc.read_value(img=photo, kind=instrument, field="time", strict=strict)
3:43
